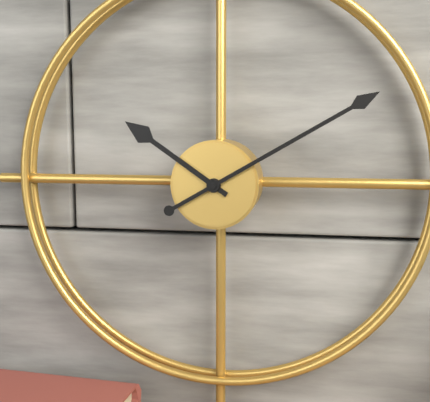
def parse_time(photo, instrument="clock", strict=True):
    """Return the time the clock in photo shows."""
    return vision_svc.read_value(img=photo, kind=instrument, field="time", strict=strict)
10:10
